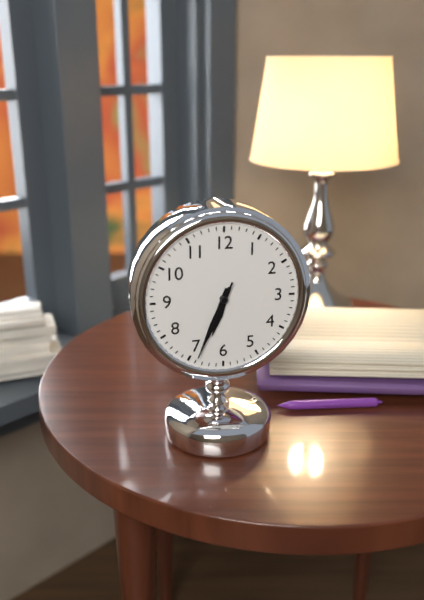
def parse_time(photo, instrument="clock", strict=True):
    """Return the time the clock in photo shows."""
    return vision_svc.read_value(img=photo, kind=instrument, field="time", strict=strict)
6:34:34
